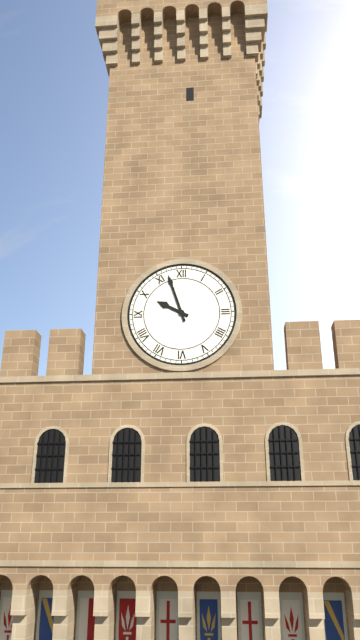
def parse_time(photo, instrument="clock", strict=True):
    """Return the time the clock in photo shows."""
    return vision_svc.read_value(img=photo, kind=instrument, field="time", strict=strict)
9:57
